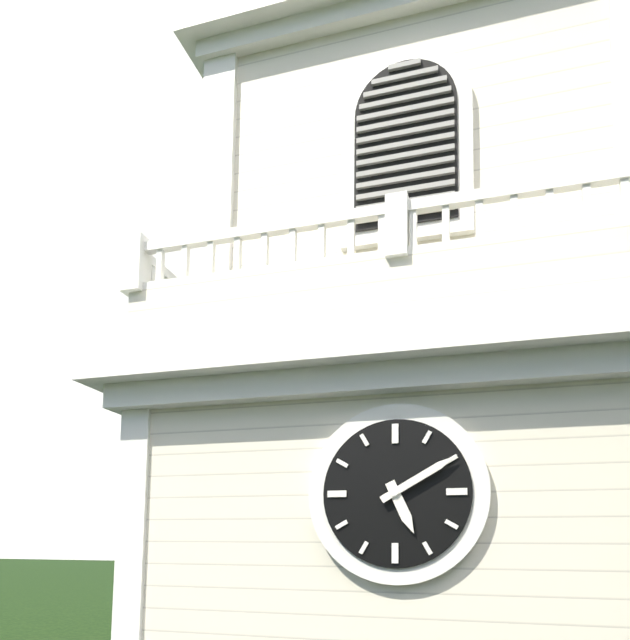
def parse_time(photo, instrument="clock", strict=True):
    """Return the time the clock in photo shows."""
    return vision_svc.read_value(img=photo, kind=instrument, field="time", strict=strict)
5:10
